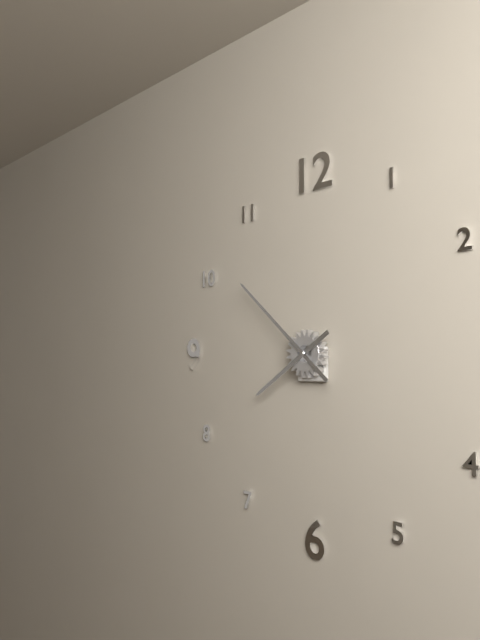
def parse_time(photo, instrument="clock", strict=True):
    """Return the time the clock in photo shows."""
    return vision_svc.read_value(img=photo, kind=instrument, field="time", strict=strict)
7:52
